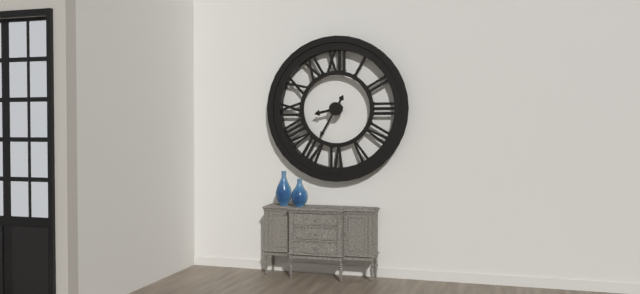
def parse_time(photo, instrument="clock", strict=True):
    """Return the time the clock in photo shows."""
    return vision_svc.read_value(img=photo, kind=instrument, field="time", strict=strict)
8:35
